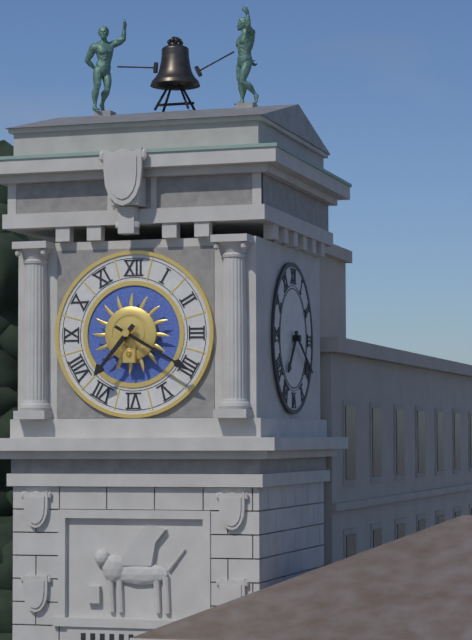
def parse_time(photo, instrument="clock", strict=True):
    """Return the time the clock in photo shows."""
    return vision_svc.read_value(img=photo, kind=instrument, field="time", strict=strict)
7:20
